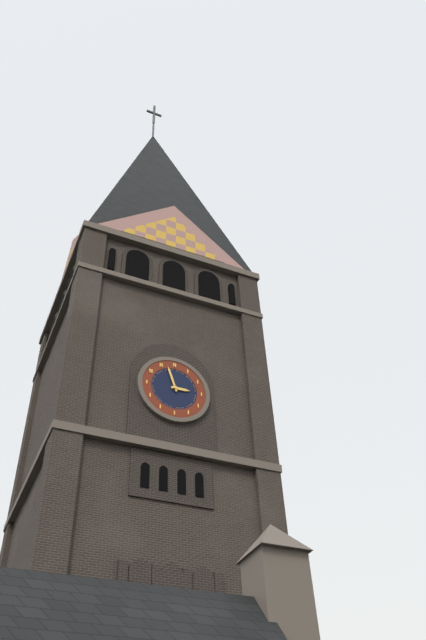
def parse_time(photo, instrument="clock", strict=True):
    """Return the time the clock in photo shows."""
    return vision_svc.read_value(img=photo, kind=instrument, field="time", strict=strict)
2:57
